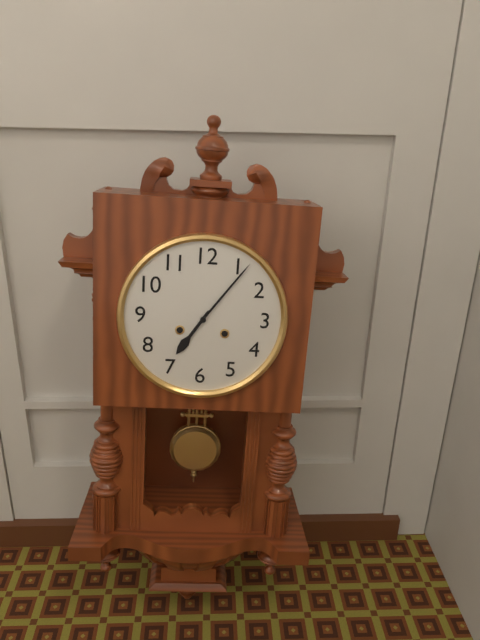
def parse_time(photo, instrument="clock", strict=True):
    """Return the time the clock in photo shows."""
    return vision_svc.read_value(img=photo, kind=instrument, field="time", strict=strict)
7:06
